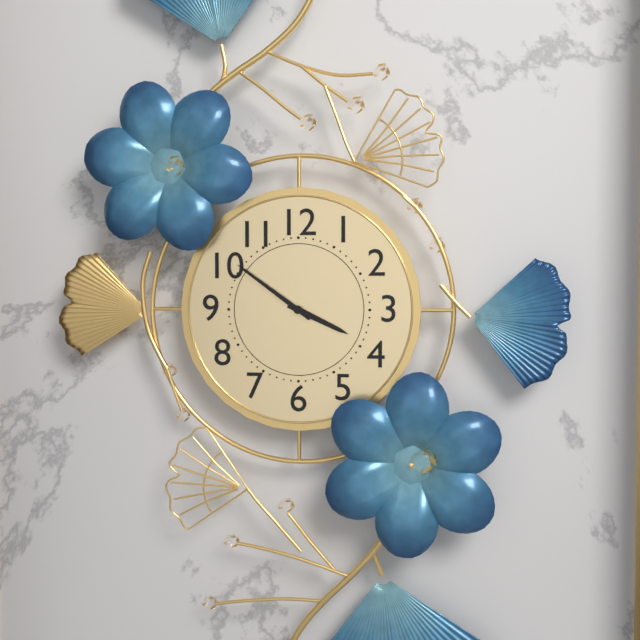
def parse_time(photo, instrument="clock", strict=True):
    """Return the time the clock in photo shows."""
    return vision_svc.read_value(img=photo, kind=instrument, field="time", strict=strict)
3:51
